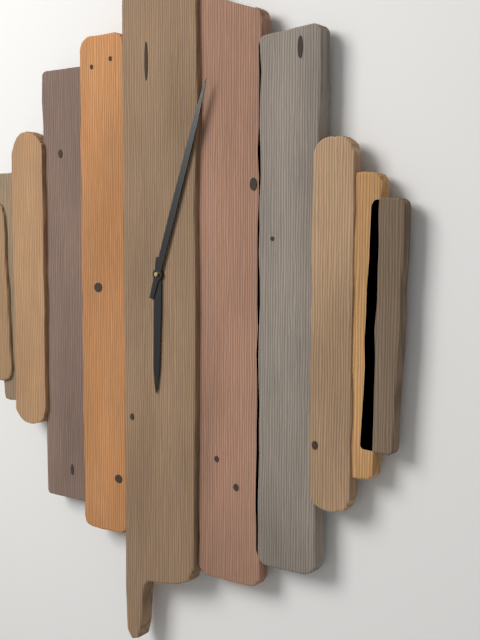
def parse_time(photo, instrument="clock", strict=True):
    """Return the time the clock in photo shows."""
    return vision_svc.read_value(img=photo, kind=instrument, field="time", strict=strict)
6:03
